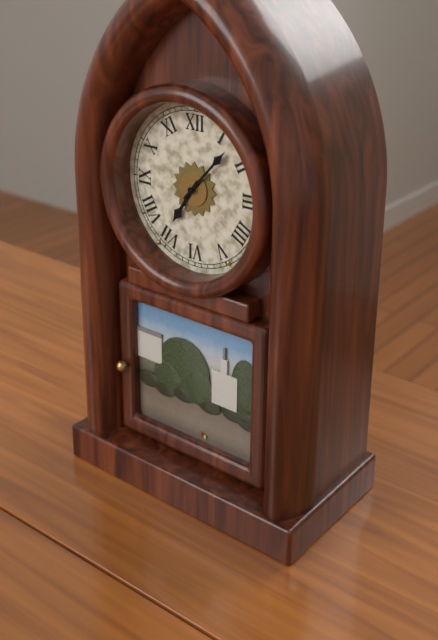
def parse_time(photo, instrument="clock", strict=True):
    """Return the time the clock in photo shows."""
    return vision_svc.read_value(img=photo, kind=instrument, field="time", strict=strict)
7:07
